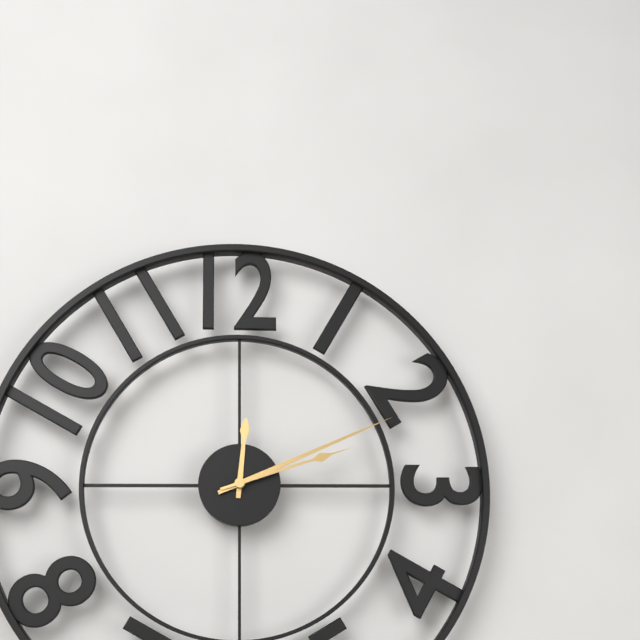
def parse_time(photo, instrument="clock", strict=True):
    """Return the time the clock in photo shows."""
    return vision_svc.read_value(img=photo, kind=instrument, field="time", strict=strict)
12:11:12
